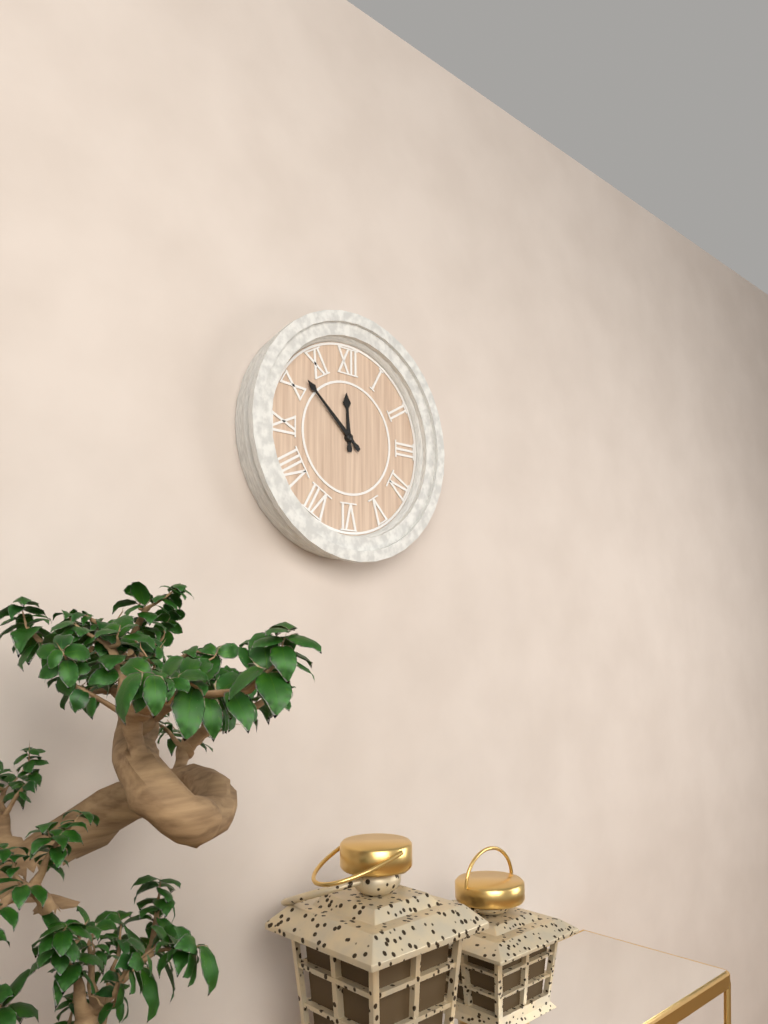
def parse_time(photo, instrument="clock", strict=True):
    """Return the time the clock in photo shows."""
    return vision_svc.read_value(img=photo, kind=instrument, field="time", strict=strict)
11:52
